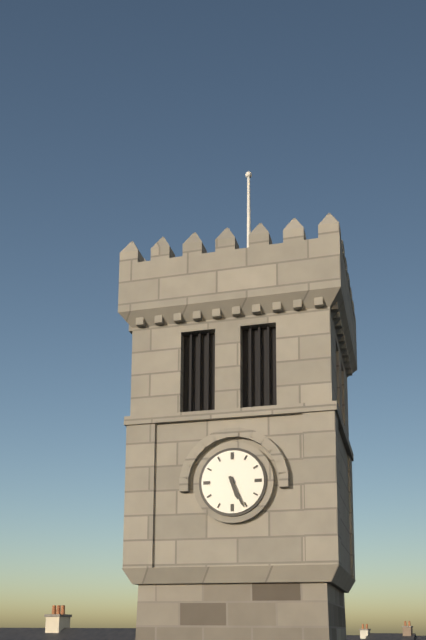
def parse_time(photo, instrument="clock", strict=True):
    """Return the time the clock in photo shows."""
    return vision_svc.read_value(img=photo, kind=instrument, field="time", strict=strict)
5:26
